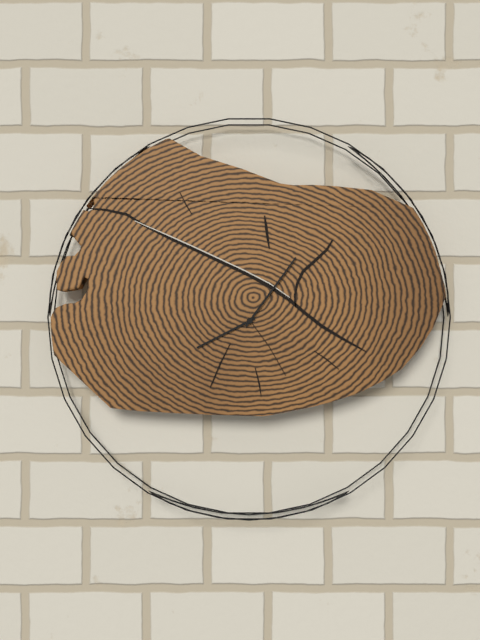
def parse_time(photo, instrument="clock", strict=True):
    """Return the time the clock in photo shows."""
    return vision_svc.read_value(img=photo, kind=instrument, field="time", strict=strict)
8:06
